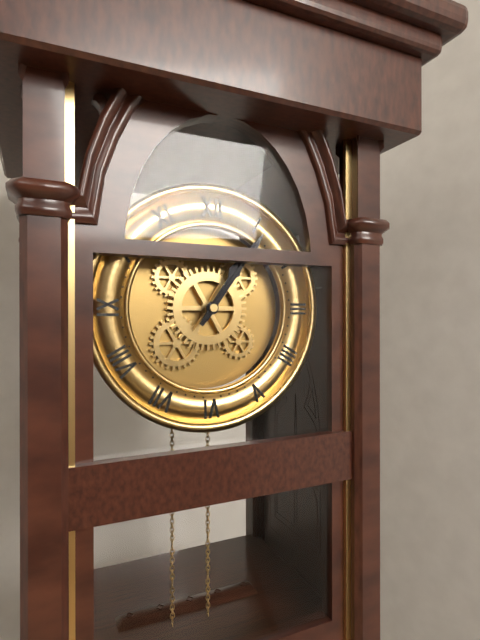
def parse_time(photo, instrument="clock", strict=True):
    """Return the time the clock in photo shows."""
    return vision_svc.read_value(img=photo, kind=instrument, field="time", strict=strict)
1:06
